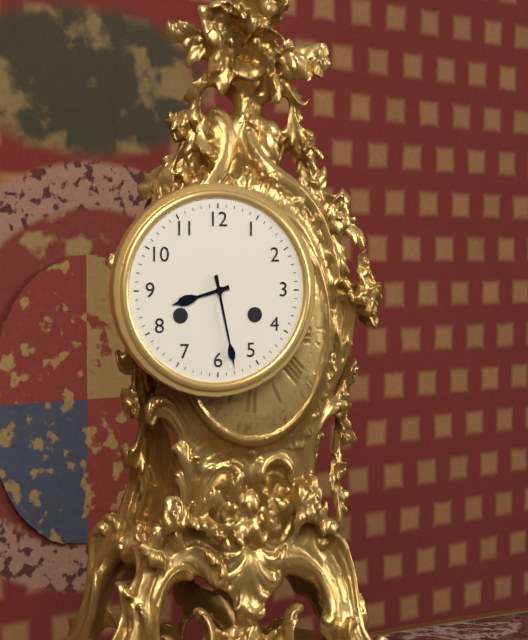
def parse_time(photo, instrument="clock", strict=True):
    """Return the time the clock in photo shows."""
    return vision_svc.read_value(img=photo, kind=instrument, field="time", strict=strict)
8:28
